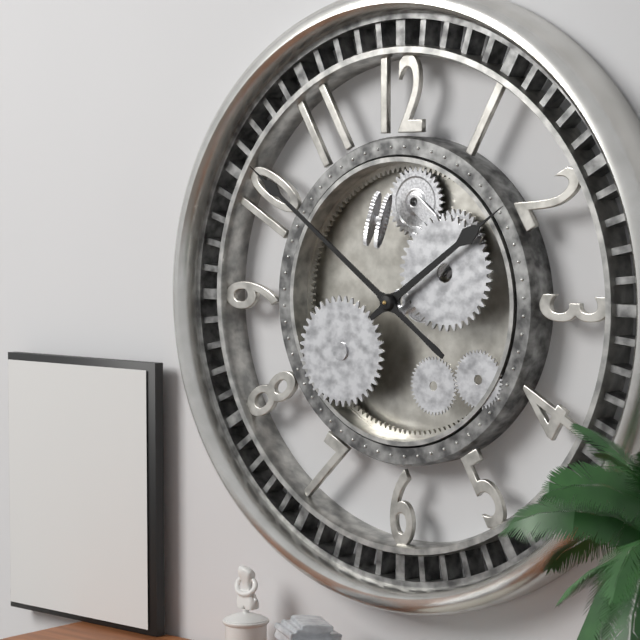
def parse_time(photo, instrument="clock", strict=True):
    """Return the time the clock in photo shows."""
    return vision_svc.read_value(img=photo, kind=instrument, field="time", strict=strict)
1:51
